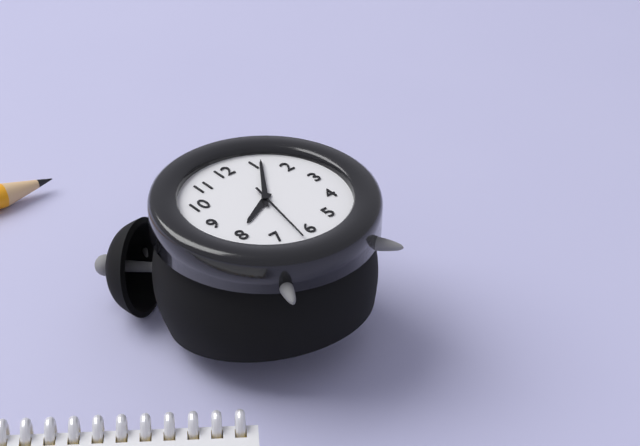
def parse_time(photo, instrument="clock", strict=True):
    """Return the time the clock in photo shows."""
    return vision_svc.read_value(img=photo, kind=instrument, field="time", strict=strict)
8:06:32
